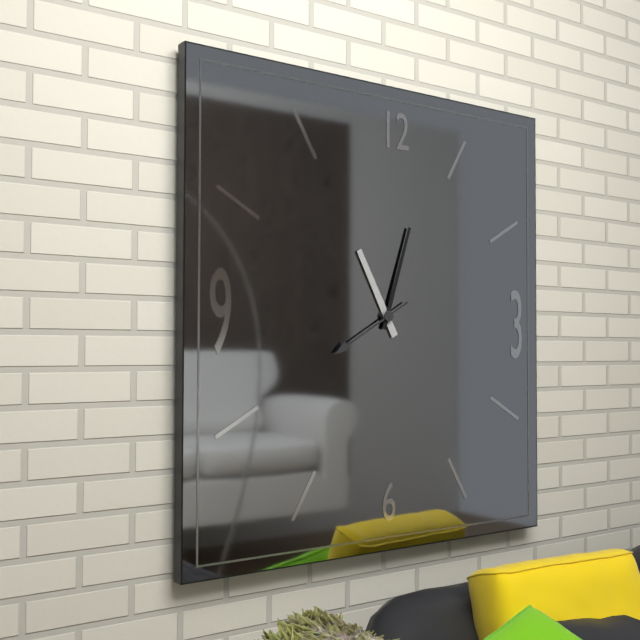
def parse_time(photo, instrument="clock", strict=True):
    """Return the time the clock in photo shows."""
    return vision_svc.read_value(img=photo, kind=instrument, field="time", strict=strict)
11:03:40
